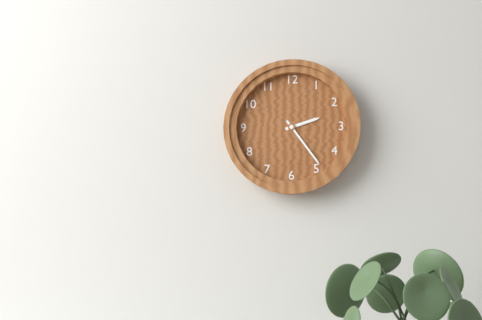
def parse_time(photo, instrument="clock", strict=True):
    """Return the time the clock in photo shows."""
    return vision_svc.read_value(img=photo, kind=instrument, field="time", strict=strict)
2:24
